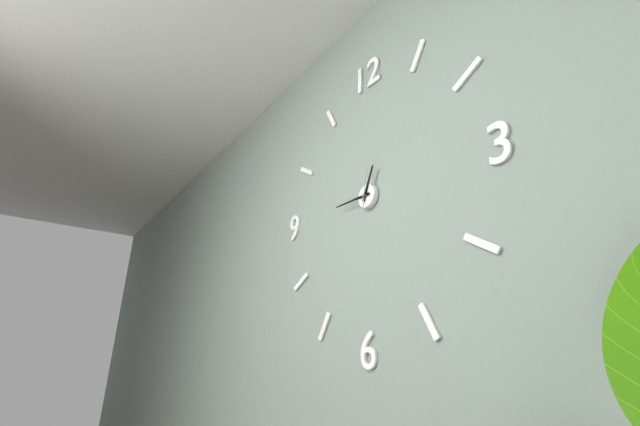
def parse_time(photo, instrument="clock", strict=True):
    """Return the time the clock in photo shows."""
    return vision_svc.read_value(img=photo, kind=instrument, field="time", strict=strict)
12:45
